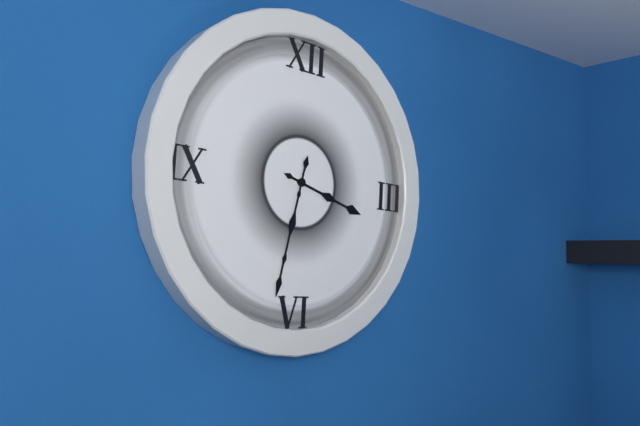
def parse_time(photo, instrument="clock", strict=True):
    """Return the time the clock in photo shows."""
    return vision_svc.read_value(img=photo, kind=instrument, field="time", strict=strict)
3:32
